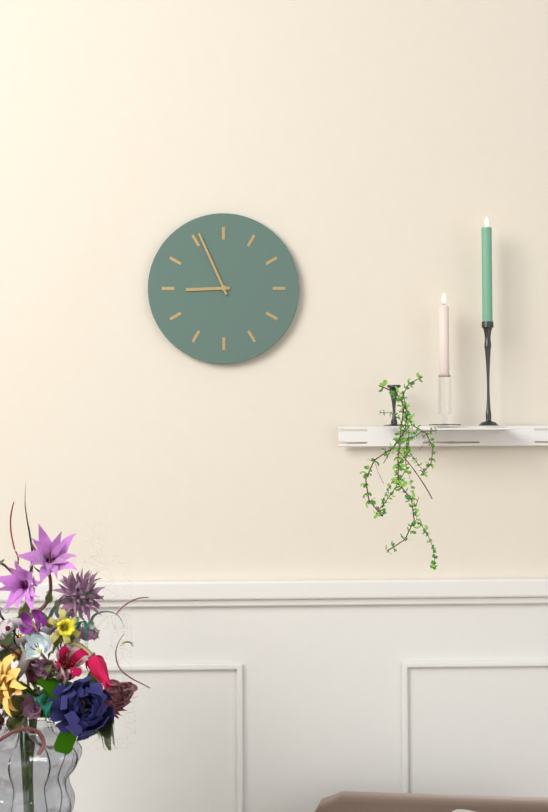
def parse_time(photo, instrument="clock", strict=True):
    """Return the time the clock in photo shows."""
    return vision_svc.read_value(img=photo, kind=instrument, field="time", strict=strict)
8:56
